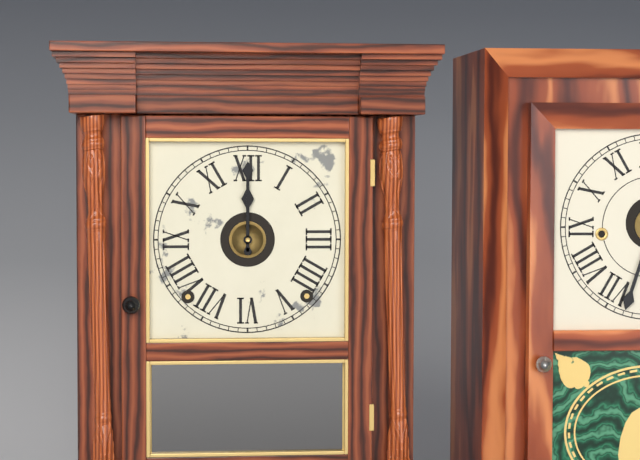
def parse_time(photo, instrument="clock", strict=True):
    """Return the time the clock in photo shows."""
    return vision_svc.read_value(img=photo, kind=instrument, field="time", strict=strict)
12:00
